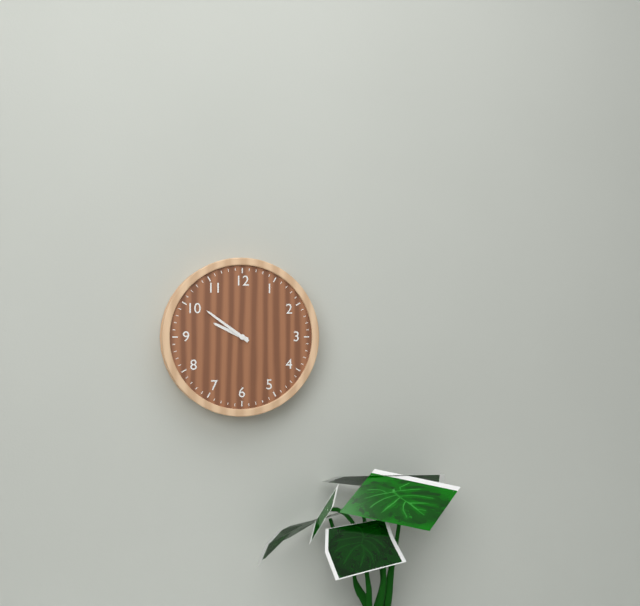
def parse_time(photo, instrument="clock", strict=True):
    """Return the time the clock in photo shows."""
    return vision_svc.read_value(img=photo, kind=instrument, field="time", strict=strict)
9:51
